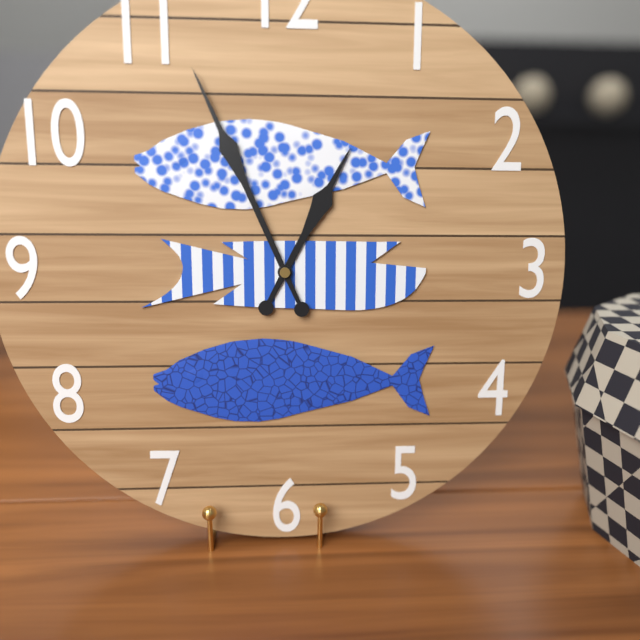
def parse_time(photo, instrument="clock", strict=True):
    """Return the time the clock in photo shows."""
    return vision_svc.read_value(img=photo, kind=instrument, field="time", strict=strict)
12:56
